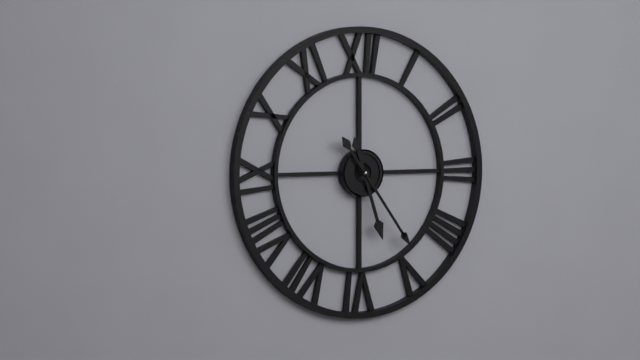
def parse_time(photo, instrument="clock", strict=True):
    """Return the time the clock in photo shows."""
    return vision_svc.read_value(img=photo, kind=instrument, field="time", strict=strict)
5:24
